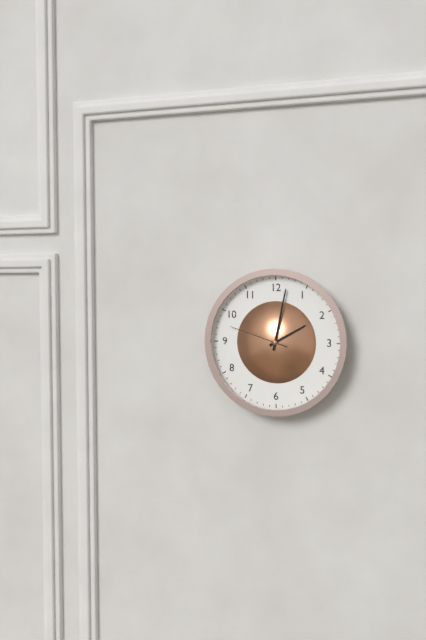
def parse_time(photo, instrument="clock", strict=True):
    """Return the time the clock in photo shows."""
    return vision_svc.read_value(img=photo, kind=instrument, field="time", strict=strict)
2:02:48
